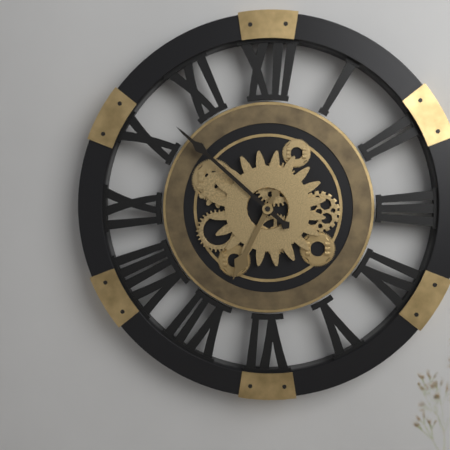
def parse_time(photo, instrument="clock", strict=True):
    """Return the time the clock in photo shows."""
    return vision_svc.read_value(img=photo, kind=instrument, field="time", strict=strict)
6:52
